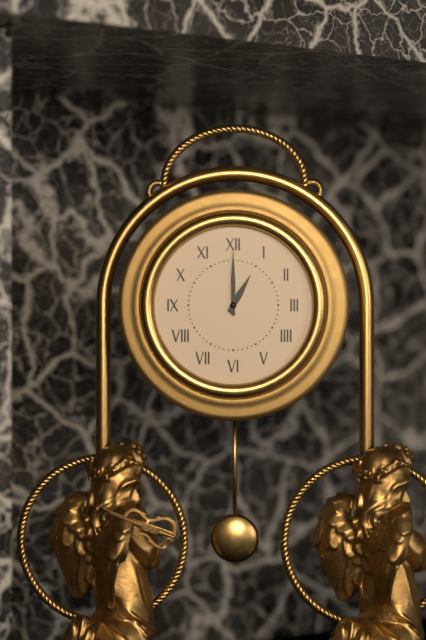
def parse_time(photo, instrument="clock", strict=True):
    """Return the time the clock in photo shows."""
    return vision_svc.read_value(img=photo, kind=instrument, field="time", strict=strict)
1:00
